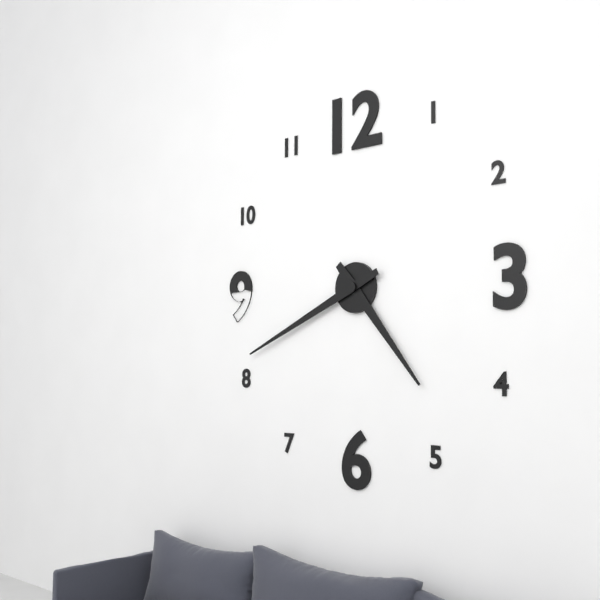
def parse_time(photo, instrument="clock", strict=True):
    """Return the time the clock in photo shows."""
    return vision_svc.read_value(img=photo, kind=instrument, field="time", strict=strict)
4:41
